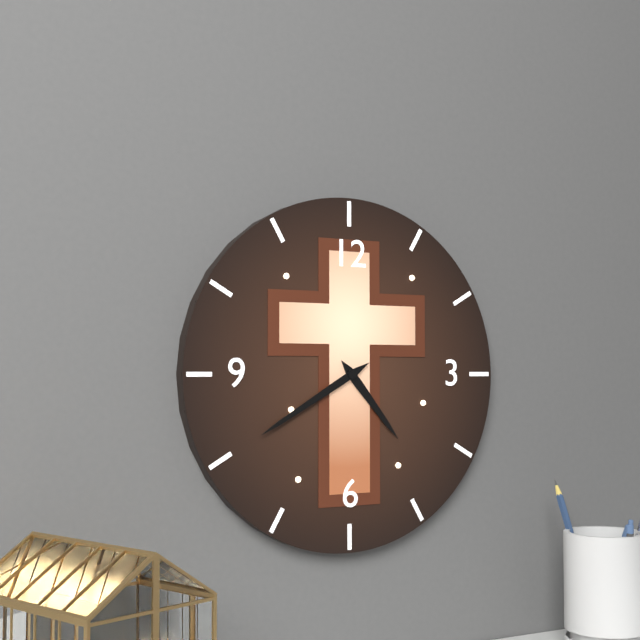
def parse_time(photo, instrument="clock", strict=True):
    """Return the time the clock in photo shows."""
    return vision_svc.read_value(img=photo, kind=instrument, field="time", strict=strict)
4:40
